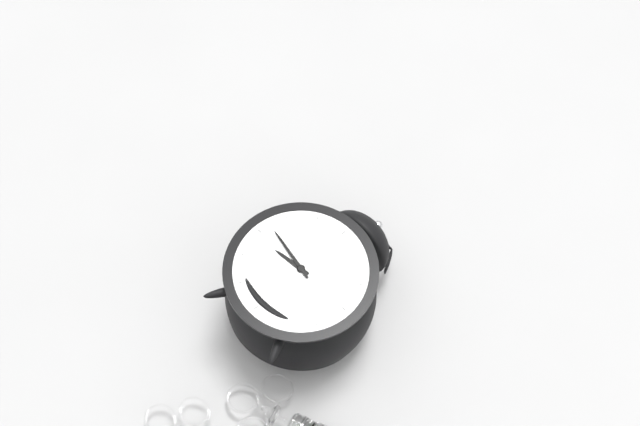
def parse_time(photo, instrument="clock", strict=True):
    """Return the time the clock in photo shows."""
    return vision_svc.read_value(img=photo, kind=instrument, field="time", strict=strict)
8:47
